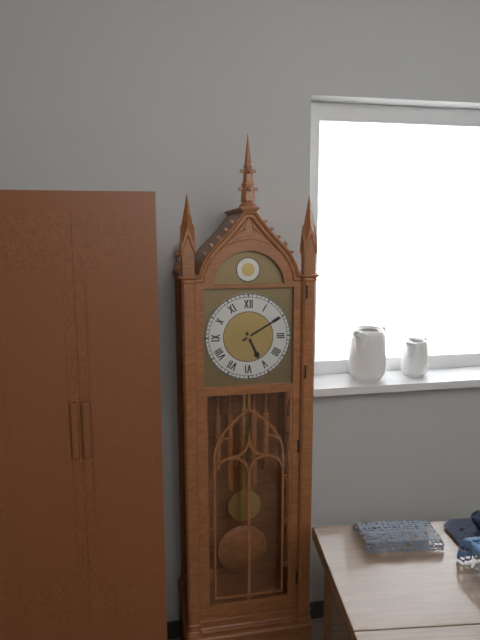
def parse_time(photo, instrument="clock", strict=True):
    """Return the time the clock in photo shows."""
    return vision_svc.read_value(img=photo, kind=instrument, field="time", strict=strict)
5:10
